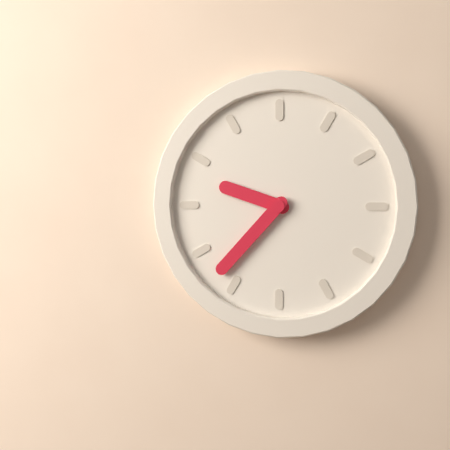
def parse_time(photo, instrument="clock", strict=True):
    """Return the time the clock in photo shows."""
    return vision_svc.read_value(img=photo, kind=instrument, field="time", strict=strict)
9:37
